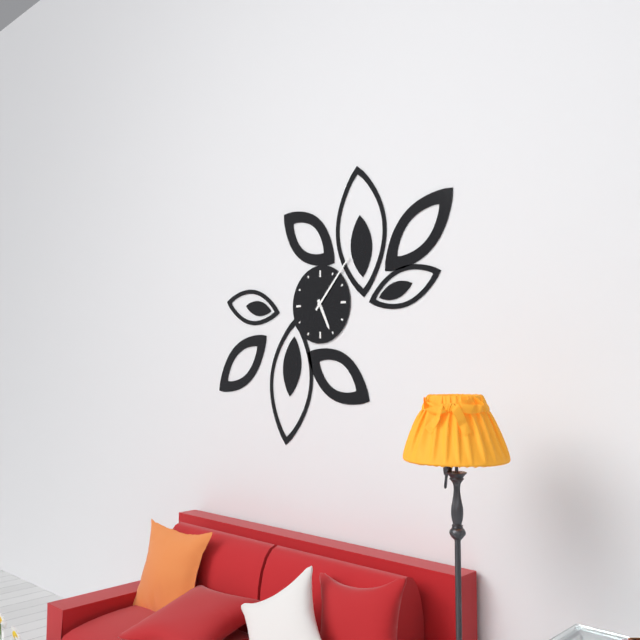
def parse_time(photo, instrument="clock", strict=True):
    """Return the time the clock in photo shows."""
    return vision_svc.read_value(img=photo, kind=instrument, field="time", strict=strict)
5:07
